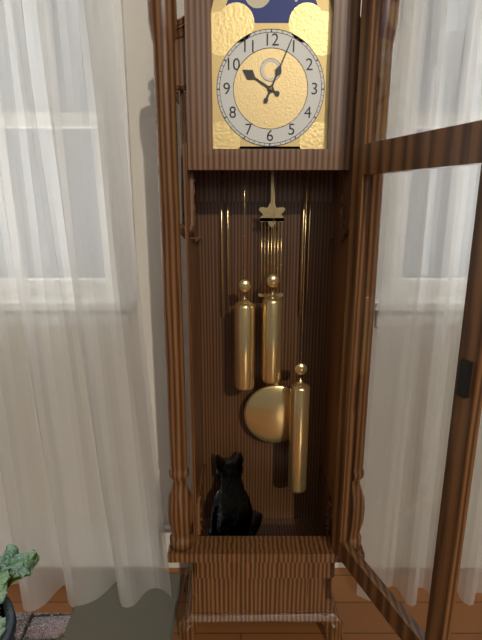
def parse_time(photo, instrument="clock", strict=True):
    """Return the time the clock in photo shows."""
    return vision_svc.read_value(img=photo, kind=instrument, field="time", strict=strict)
10:04
